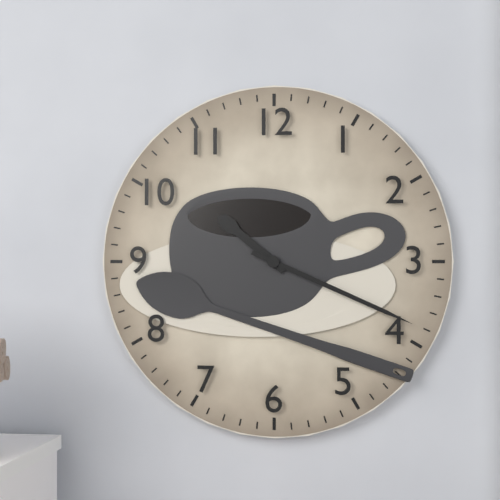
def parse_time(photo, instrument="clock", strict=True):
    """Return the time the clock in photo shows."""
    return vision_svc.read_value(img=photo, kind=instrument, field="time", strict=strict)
10:19
